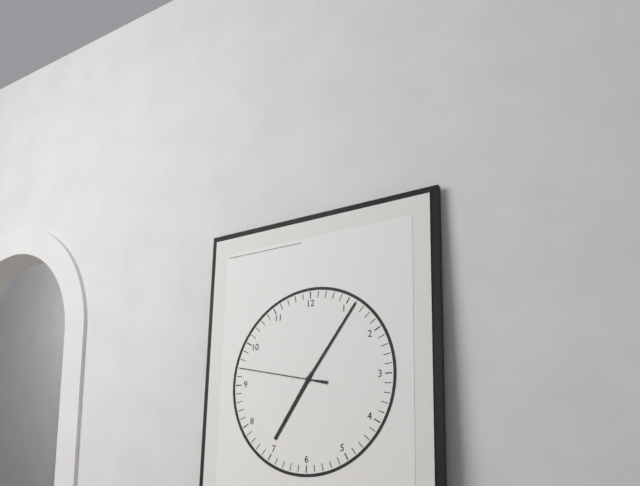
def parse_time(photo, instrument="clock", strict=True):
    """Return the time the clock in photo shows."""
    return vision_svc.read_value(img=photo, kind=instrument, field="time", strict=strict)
7:06:47
